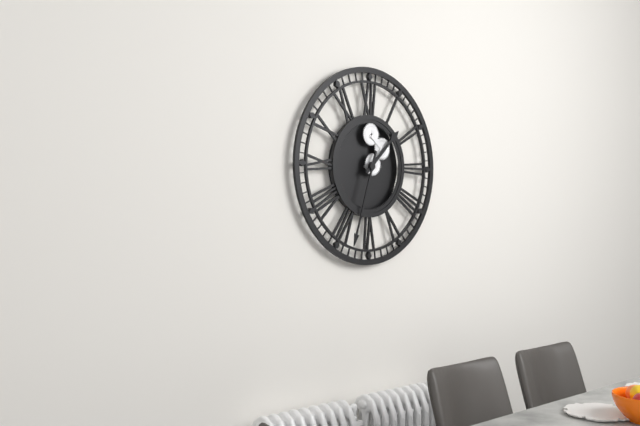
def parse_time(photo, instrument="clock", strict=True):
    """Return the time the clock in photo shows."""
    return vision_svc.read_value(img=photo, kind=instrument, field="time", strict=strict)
1:33
